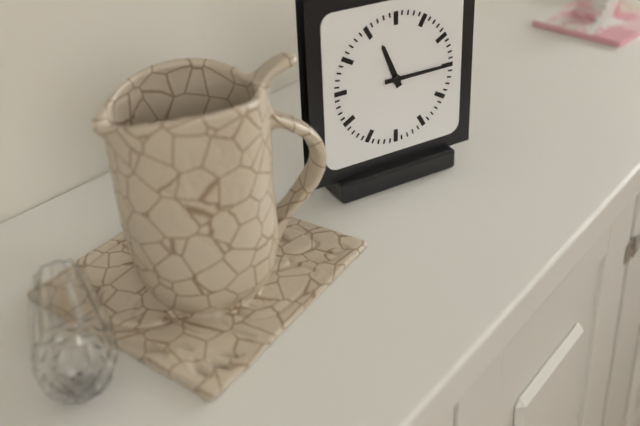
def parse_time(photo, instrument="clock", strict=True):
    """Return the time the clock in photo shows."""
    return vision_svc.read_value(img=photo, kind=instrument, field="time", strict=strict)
11:15
